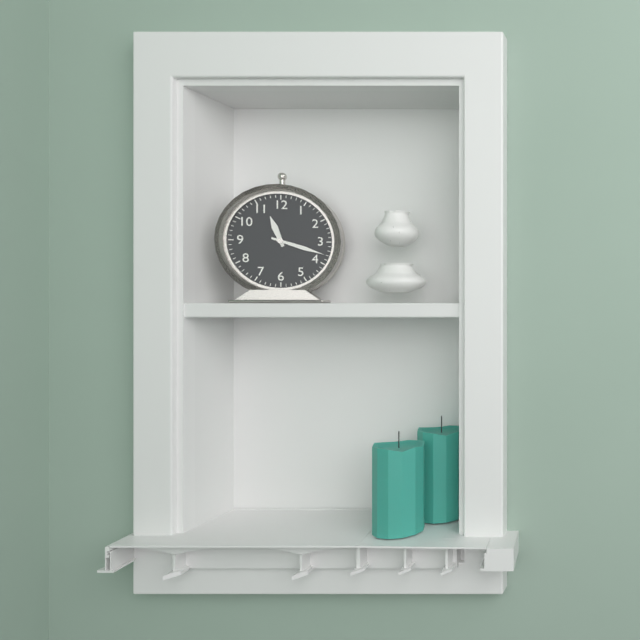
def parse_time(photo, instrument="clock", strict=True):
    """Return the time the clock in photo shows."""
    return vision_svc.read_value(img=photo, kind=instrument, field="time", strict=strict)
11:18
